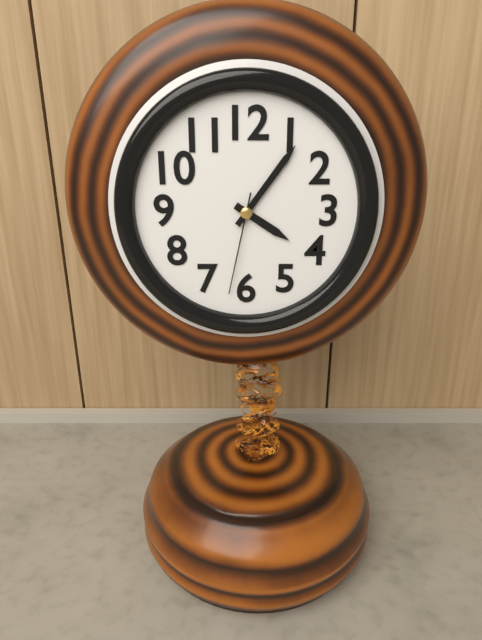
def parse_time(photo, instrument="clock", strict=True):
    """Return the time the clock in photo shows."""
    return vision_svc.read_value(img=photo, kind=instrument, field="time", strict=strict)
4:06:32
